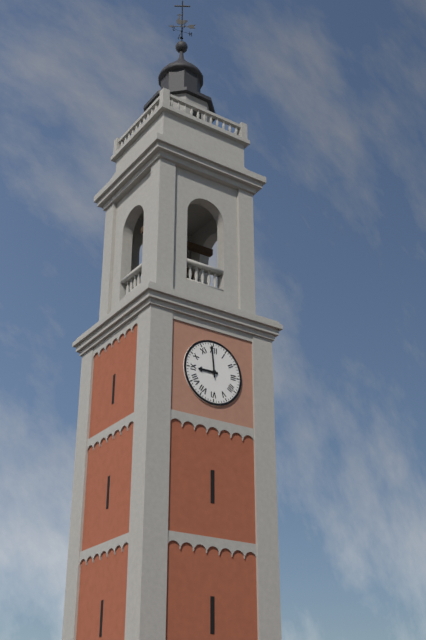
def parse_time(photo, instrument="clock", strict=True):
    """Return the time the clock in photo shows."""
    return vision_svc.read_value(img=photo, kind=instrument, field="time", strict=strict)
8:59
